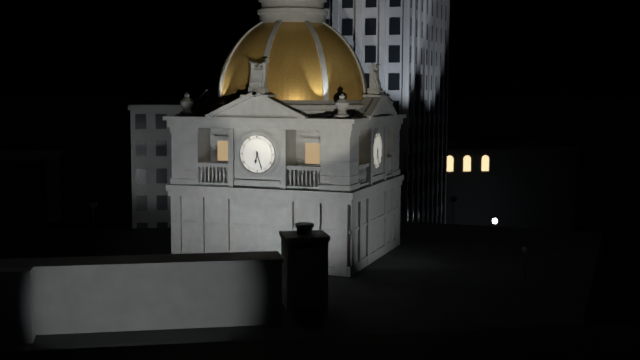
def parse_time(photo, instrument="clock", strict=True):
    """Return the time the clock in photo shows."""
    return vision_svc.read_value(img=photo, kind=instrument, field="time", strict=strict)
6:27
